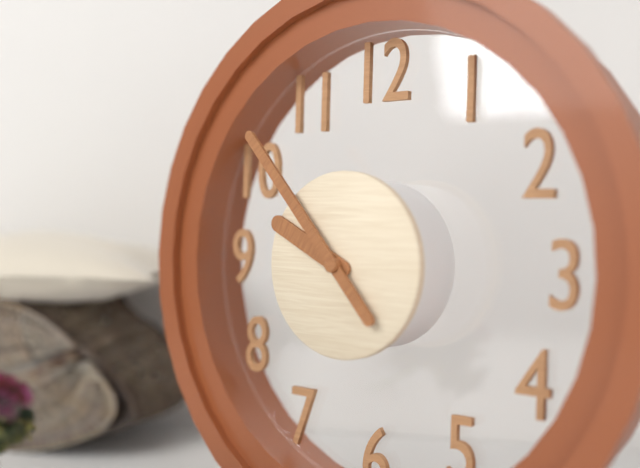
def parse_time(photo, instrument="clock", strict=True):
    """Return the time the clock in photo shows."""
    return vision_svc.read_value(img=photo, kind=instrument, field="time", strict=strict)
9:53
